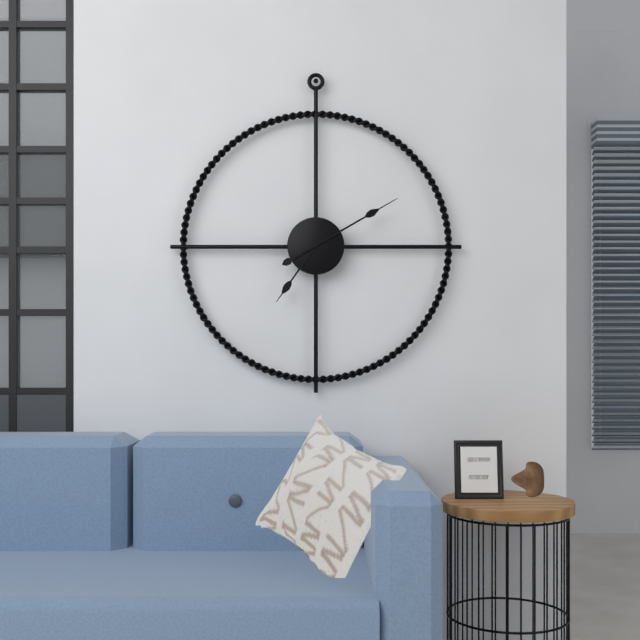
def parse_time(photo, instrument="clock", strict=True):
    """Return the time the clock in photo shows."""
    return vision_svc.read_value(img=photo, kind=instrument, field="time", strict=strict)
7:10
